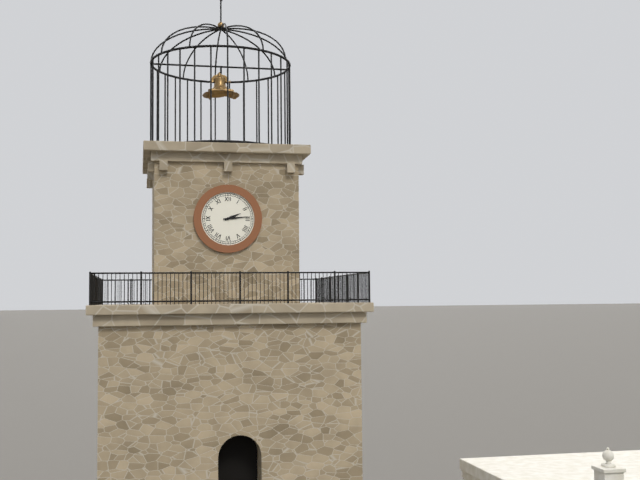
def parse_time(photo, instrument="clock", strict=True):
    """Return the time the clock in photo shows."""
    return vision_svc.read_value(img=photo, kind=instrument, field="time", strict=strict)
2:14
